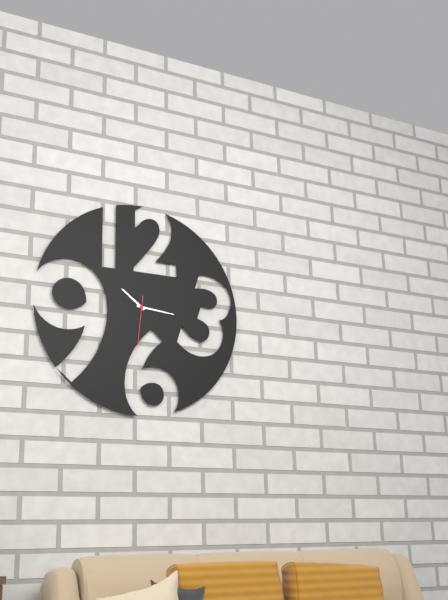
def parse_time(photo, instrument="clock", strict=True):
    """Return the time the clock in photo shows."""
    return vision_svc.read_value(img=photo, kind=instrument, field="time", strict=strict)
10:16:31
